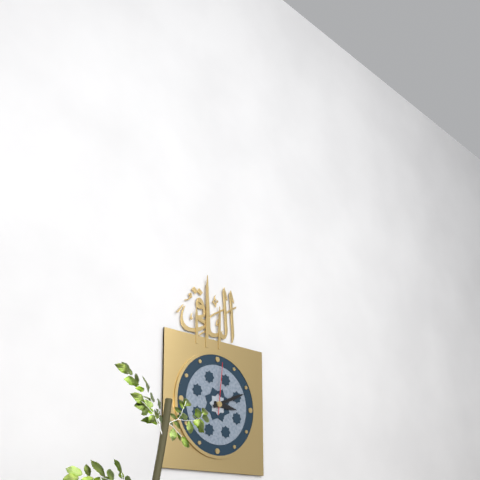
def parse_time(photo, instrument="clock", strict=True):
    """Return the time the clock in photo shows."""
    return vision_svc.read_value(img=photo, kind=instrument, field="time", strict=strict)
3:11:01
